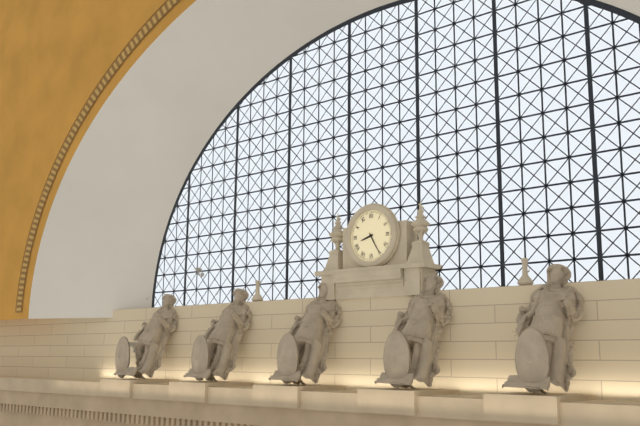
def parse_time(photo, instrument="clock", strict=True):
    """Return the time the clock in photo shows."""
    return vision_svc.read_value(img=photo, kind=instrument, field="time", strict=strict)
8:25
